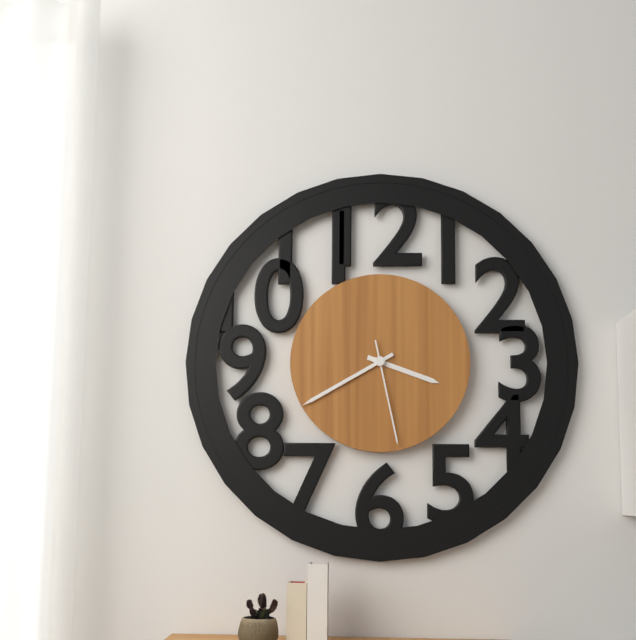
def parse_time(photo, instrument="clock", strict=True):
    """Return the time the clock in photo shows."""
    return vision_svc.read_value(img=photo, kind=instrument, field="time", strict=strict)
3:40:28
